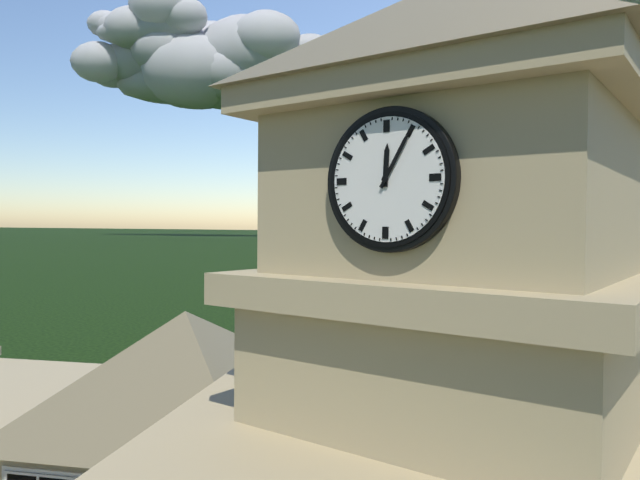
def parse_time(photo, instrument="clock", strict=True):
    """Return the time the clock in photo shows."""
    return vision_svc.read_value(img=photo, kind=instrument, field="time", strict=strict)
12:05
